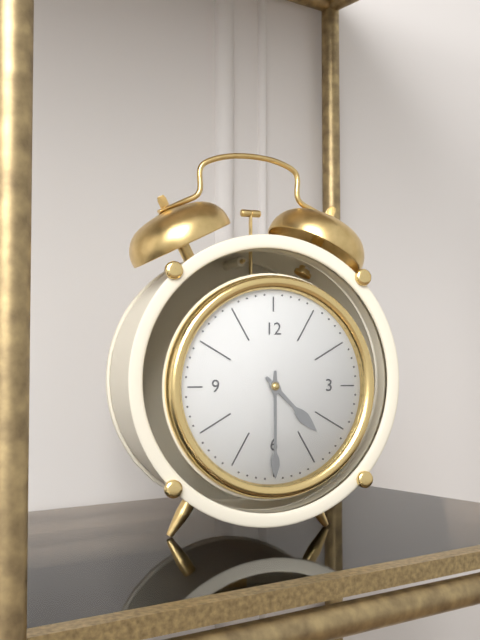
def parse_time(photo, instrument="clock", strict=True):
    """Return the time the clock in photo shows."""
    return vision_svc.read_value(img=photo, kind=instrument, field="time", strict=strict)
4:30
